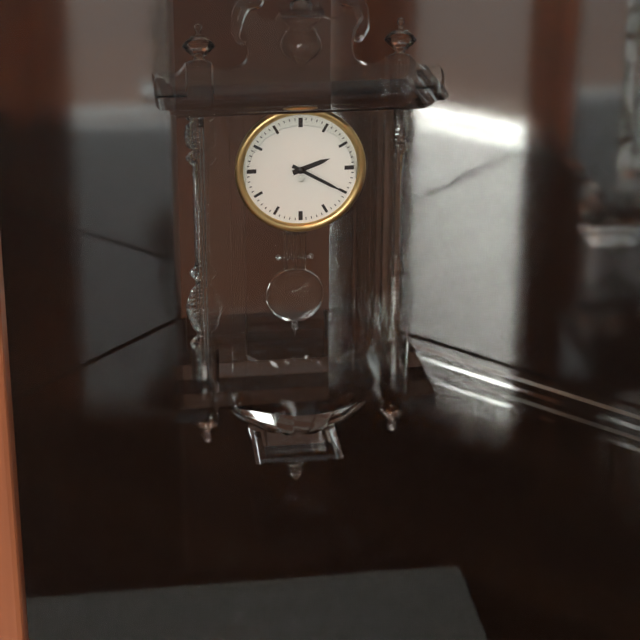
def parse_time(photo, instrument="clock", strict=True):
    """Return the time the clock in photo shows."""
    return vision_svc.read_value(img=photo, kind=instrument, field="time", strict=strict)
2:20
